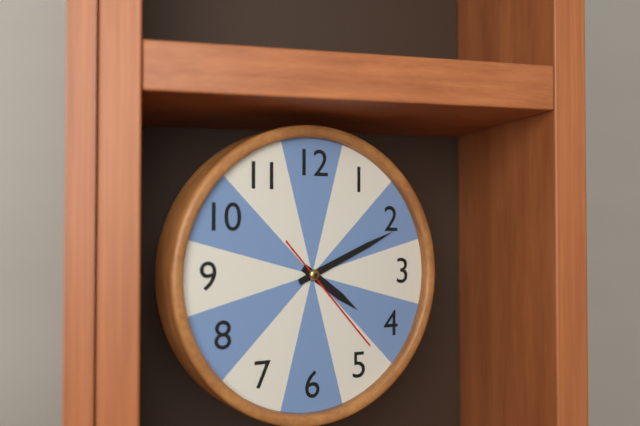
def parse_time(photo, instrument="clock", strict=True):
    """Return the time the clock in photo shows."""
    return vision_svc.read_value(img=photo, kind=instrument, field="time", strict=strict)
4:11:23
